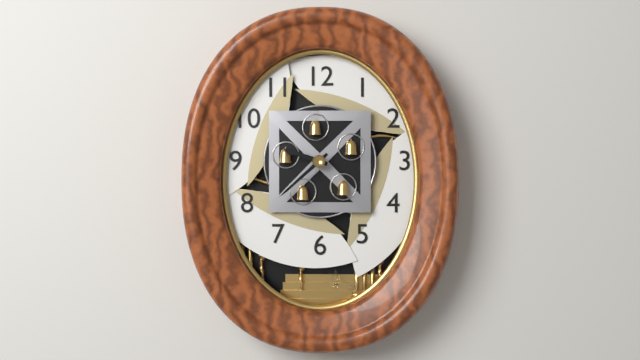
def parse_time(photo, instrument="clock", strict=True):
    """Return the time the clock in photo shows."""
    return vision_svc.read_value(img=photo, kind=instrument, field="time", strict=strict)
9:38
